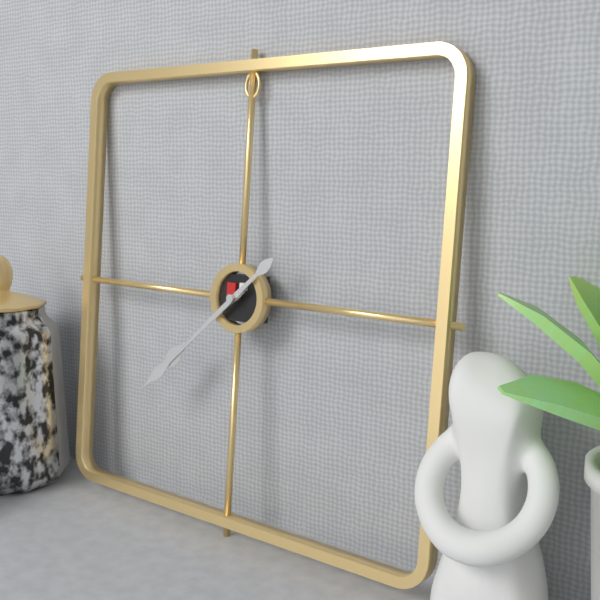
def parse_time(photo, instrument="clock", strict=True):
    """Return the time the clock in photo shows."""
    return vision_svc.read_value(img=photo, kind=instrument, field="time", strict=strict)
7:38
